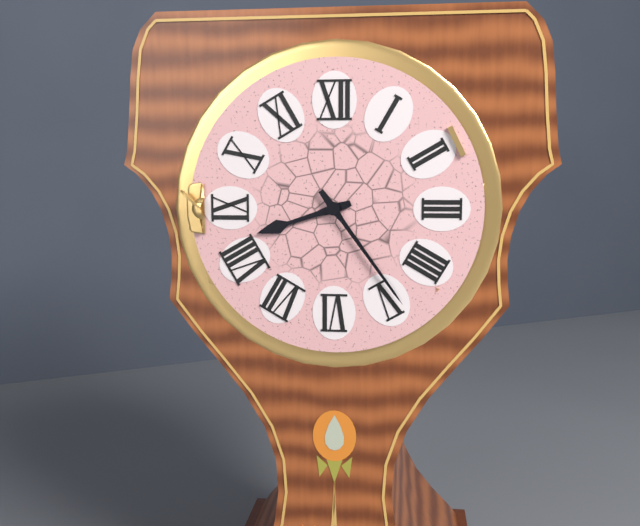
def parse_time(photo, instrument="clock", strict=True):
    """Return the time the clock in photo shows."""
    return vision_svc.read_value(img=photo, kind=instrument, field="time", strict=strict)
8:24
